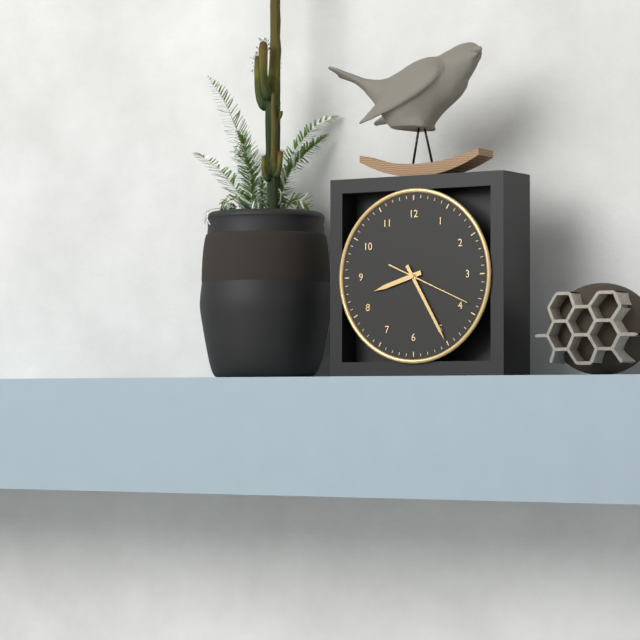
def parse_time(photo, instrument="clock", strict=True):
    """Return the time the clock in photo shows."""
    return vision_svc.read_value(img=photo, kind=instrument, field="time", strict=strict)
8:25:19
